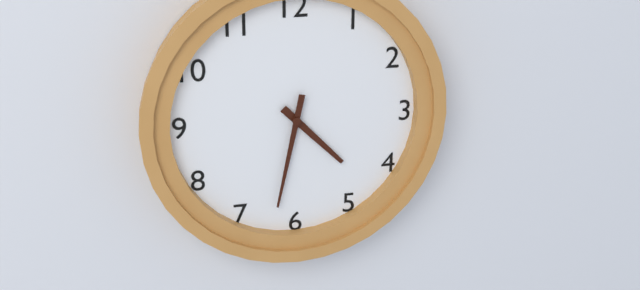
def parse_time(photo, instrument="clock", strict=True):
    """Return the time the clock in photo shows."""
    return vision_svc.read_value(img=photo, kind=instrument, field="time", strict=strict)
4:32
